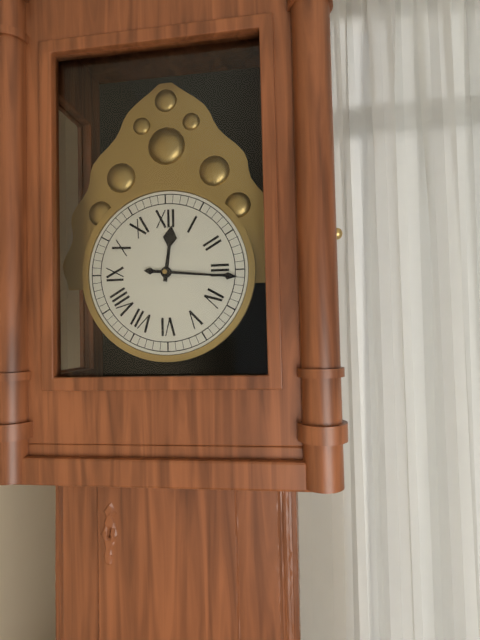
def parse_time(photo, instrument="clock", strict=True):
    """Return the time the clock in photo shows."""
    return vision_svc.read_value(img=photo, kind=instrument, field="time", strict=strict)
12:16
